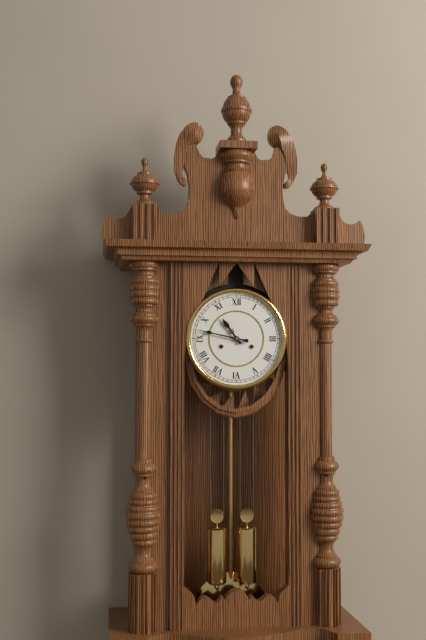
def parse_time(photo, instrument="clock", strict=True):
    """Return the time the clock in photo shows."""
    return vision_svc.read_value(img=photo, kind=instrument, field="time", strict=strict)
10:47
